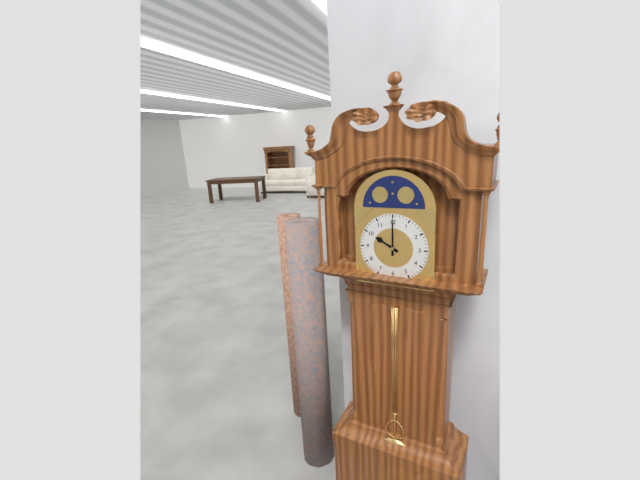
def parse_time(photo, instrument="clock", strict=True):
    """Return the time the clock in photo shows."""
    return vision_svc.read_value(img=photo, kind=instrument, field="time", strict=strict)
10:00
